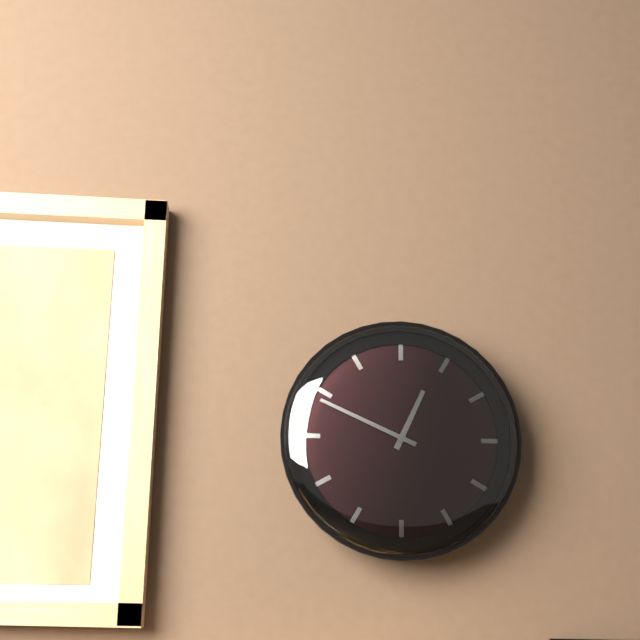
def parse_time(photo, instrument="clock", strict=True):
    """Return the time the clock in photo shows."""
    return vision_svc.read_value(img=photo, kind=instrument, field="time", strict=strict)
12:49
